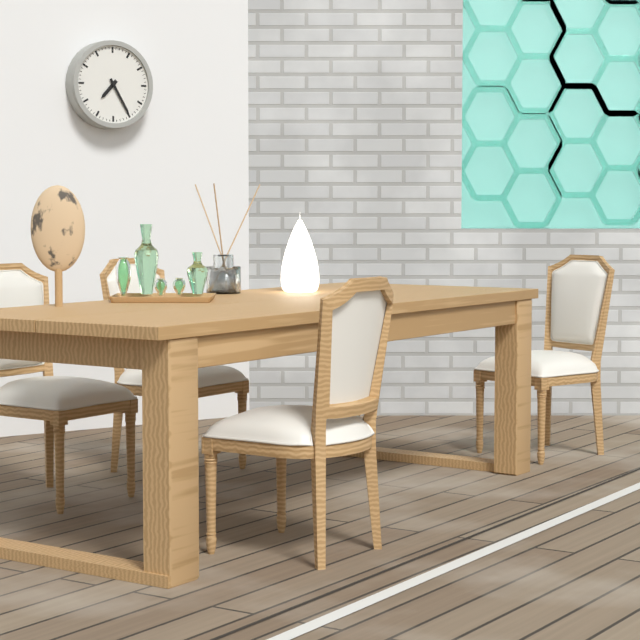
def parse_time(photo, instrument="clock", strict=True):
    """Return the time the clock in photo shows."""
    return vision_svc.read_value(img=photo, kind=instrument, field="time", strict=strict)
7:25
